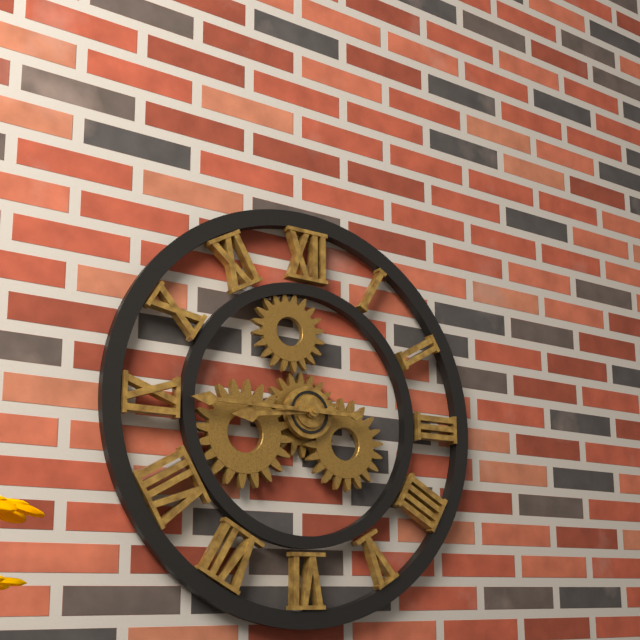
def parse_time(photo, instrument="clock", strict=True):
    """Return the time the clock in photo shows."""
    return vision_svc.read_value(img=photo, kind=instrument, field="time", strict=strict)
8:45
